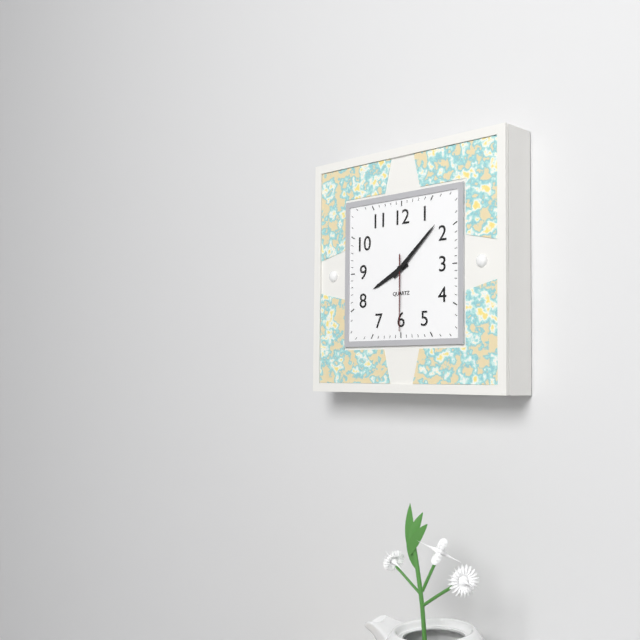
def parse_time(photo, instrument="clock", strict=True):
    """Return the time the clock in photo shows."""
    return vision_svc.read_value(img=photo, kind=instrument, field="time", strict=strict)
8:08:30
